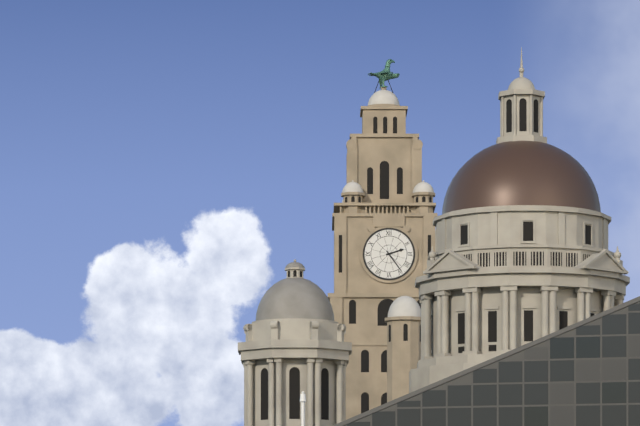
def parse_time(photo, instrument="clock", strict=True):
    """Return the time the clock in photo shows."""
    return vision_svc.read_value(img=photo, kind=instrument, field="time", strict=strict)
2:24
